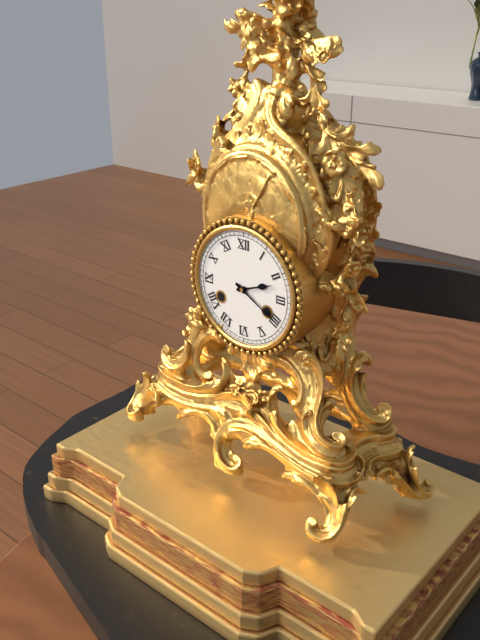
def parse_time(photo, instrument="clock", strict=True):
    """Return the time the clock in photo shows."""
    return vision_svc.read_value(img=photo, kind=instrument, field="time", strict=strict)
2:20
